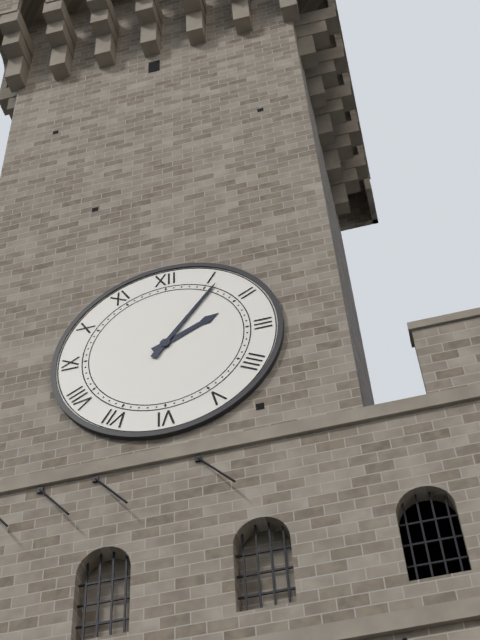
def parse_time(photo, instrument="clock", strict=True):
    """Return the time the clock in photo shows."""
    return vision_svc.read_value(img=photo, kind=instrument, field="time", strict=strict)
2:06
